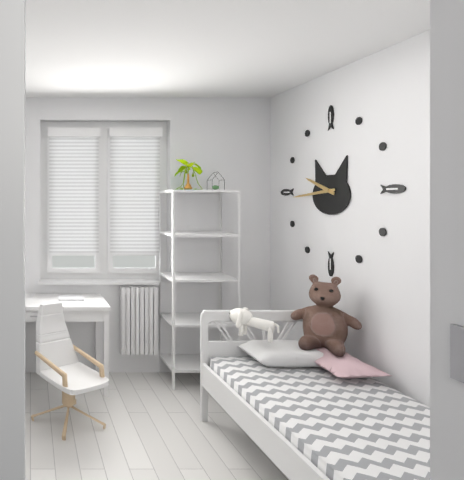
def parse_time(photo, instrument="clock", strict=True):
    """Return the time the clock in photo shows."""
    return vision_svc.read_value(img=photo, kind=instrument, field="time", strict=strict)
9:44
